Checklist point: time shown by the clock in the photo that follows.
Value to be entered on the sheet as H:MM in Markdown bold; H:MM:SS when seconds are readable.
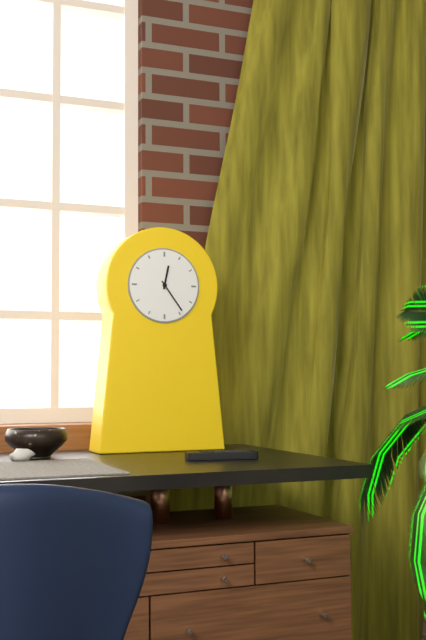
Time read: **12:24**
